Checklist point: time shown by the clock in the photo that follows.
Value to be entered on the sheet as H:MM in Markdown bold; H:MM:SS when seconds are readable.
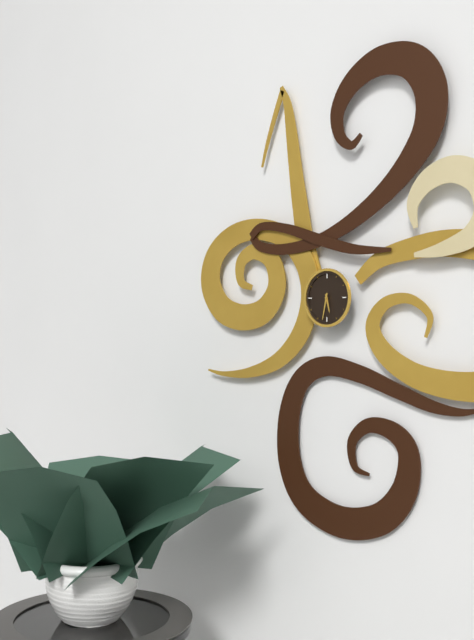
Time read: **5:32**
